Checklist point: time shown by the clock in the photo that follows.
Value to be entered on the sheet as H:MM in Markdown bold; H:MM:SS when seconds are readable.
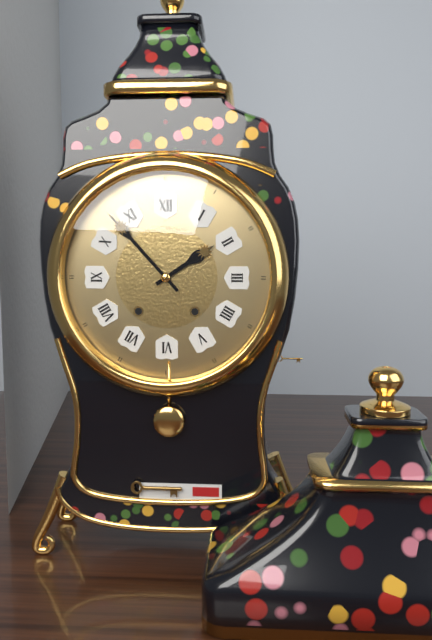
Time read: **1:53**
